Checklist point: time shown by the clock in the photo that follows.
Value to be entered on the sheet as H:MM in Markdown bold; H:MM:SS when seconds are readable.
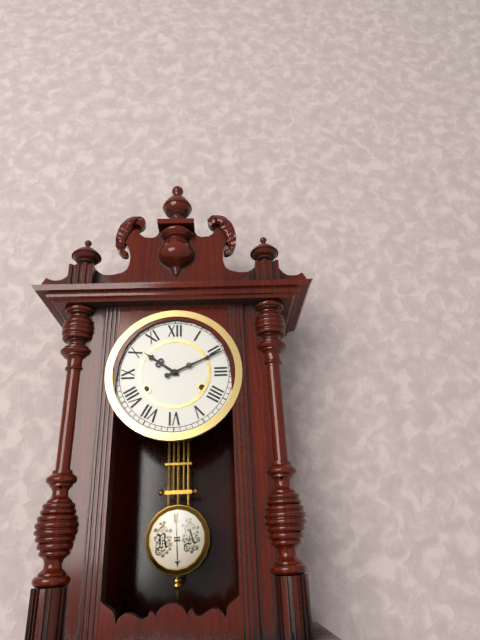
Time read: **10:11**
